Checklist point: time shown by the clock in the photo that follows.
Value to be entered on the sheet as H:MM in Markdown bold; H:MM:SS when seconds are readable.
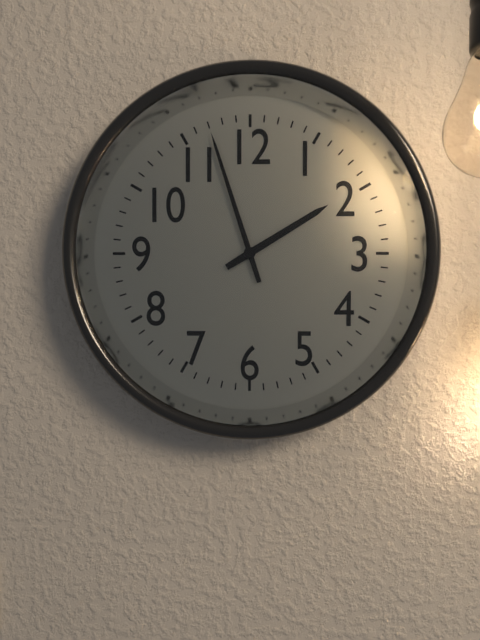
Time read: **1:57**
